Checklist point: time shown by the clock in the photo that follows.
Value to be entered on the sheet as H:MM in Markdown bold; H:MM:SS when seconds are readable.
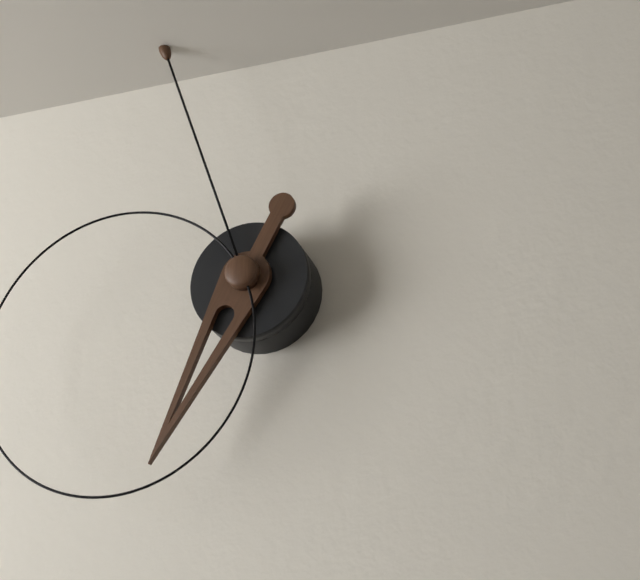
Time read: **6:57**
